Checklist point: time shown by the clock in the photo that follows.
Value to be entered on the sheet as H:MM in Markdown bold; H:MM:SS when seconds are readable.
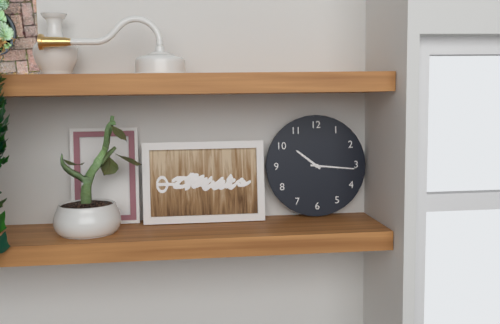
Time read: **10:16**
